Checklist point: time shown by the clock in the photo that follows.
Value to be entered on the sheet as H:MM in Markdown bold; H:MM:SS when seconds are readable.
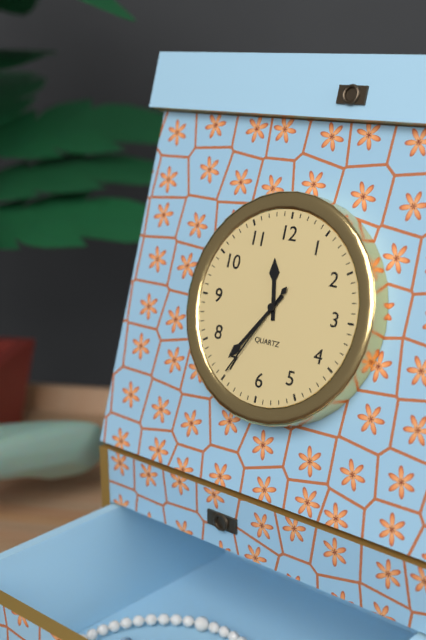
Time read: **11:36:35**
